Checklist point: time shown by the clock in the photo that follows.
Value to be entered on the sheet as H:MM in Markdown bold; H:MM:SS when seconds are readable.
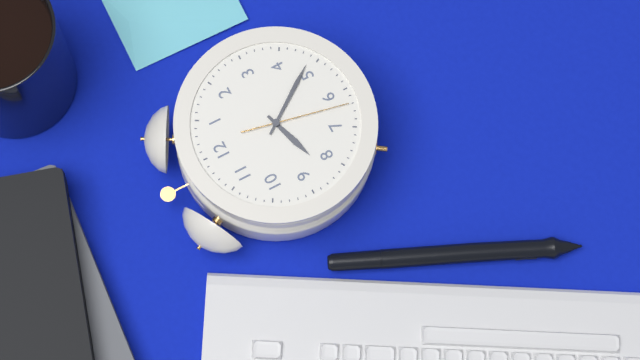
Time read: **8:24:32**
